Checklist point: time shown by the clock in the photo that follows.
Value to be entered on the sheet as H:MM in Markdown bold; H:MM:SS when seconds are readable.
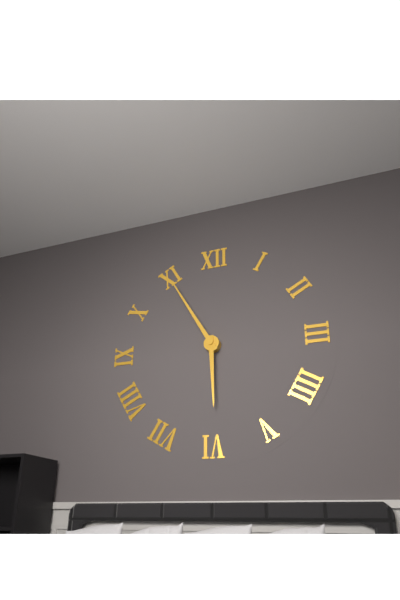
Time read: **5:55**
